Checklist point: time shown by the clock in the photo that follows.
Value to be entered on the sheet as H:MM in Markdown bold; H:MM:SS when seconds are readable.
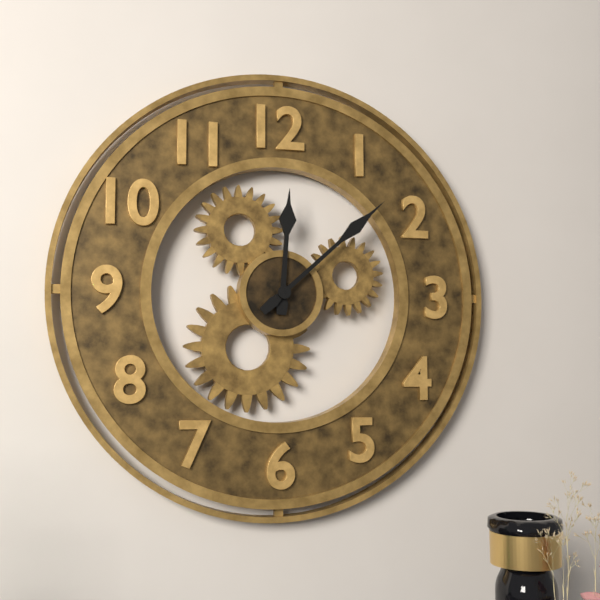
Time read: **12:08**
